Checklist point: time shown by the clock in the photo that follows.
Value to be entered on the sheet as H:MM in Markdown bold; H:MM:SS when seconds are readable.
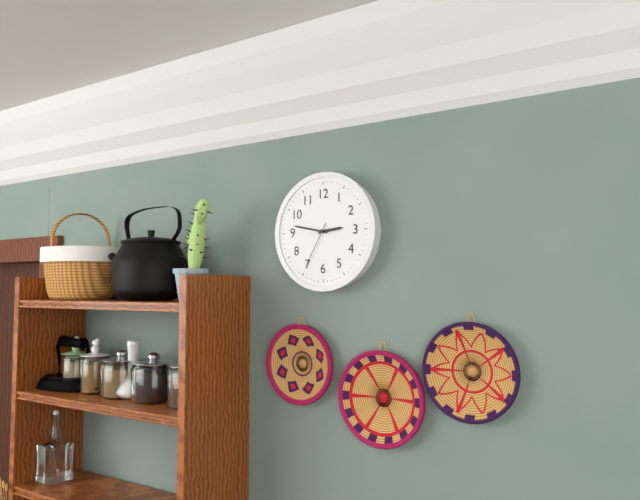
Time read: **2:47:35**
